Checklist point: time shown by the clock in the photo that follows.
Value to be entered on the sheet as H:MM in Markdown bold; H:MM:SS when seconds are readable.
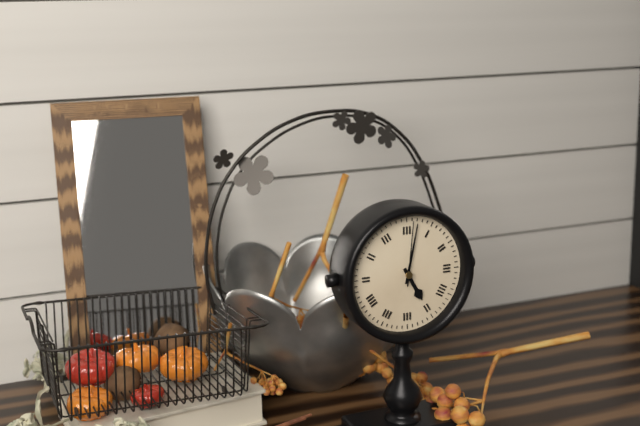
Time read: **5:02:01**
